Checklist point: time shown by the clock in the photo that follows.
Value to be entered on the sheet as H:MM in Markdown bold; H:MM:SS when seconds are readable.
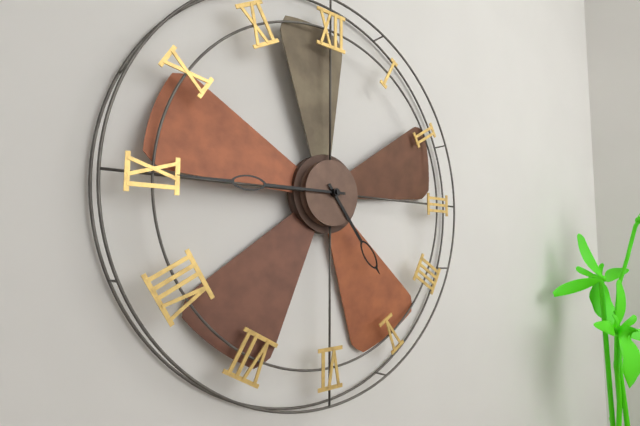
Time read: **4:45**
